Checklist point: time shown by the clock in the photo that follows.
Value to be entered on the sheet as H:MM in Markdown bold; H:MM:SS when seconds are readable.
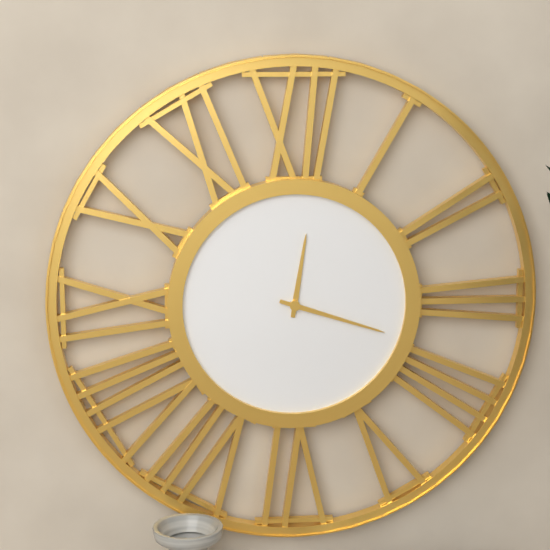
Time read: **12:18**
